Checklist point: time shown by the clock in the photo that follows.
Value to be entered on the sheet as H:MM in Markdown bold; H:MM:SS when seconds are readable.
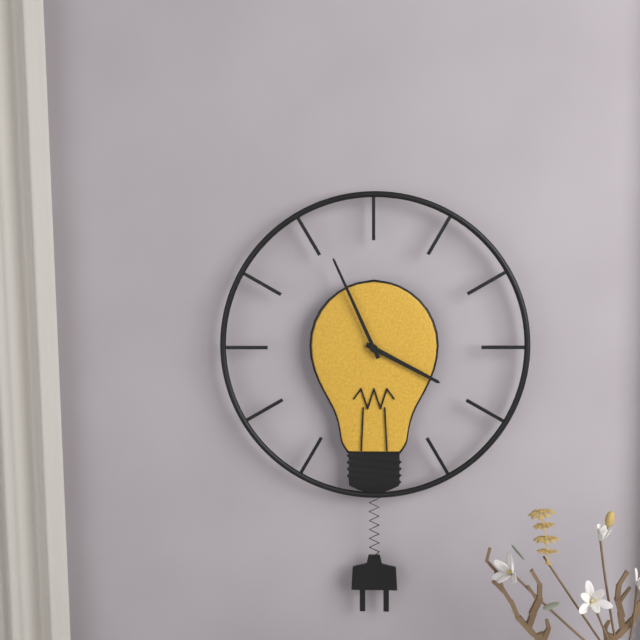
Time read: **3:56**
